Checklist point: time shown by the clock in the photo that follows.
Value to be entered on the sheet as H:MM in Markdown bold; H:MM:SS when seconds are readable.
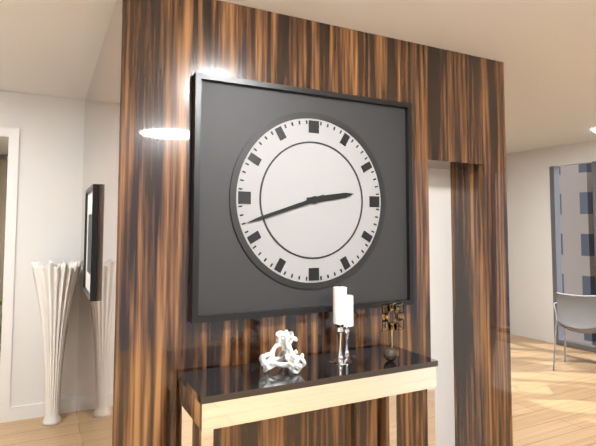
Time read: **2:42**
